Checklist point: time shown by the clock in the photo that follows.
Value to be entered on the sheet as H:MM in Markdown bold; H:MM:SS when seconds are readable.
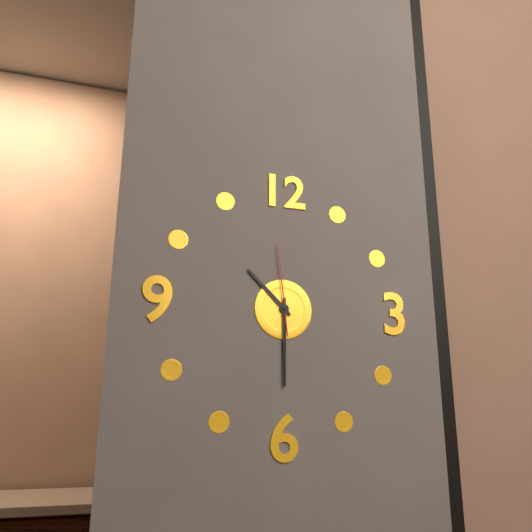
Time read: **10:30:59**
